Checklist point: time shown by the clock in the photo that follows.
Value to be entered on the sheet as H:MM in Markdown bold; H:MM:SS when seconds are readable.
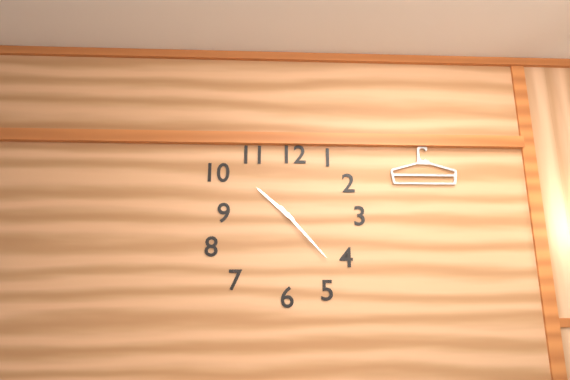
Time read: **10:23**
